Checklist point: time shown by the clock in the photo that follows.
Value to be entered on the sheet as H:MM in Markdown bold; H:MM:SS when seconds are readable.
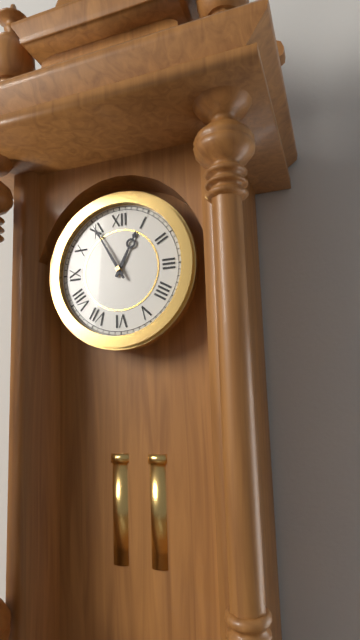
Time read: **12:55**
